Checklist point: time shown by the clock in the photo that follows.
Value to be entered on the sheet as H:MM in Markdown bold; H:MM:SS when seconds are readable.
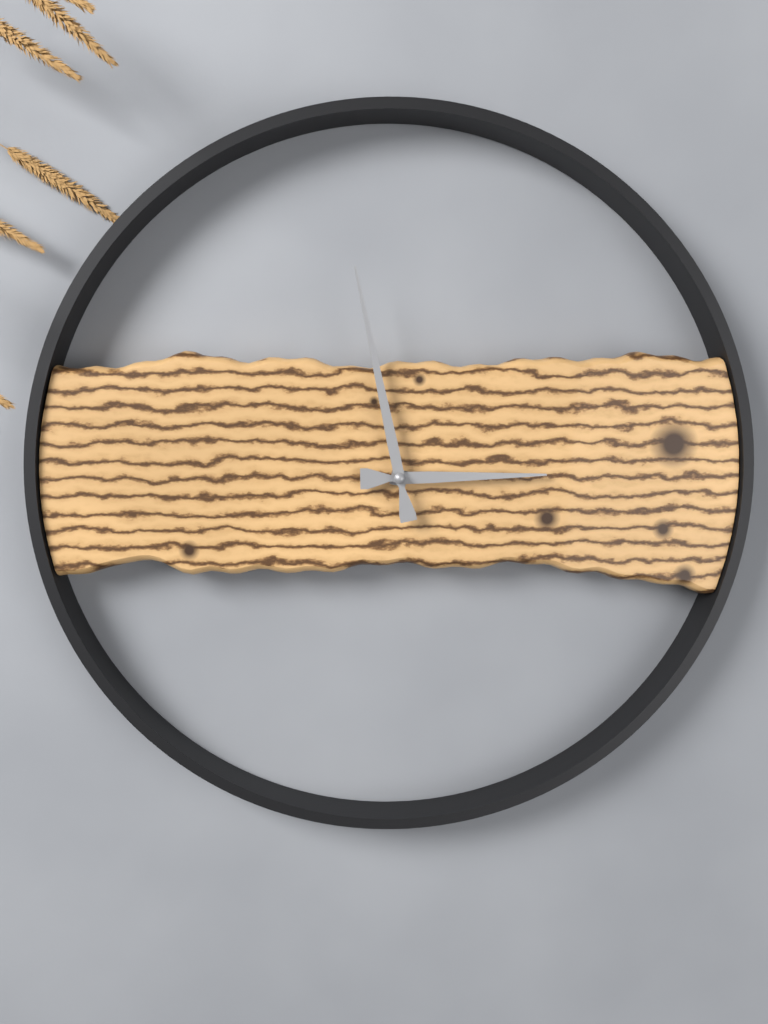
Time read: **2:58**
